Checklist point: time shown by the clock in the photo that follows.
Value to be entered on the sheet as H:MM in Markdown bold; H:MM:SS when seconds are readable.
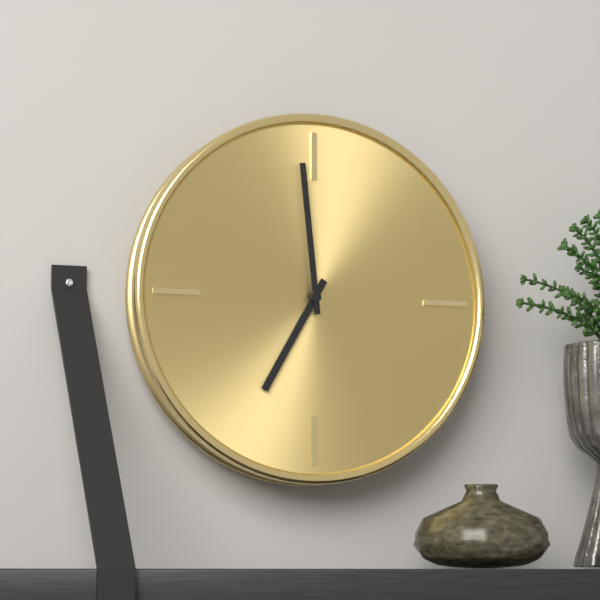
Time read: **6:59**
